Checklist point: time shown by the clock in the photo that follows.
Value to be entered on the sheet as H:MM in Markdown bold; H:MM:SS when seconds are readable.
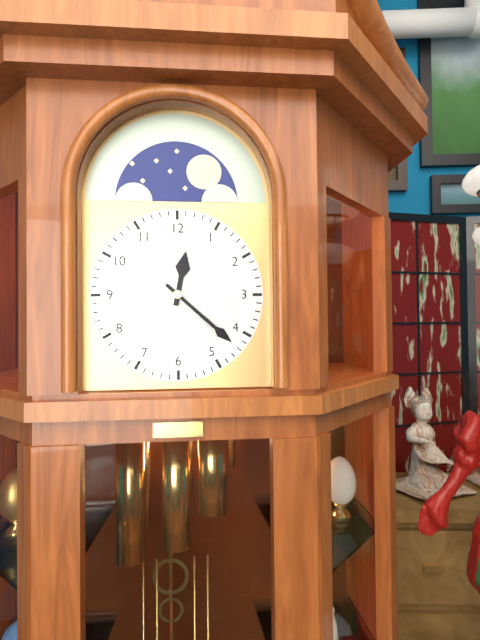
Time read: **12:22**
